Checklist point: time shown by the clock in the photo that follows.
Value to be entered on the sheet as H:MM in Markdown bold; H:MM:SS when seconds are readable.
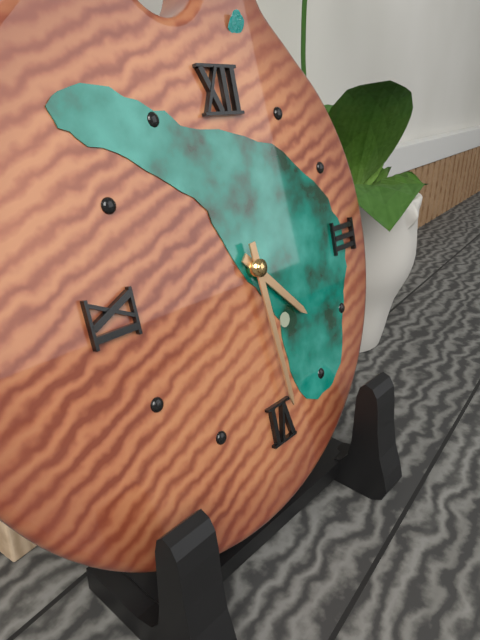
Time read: **4:29**
